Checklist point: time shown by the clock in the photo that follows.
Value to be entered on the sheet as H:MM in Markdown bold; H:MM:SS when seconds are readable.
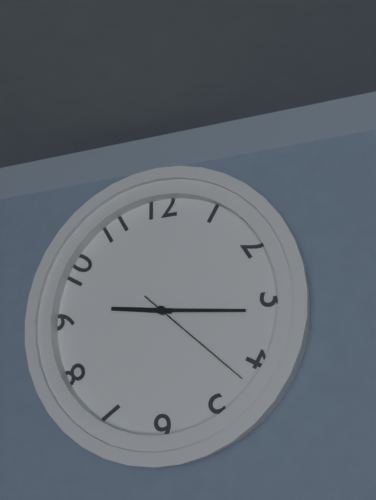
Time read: **9:16:22**
